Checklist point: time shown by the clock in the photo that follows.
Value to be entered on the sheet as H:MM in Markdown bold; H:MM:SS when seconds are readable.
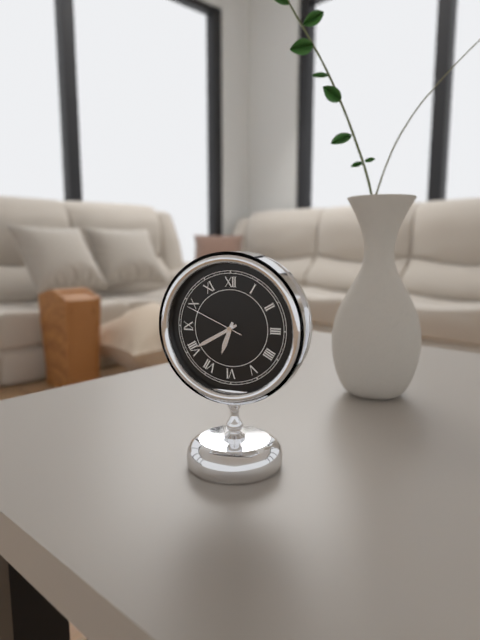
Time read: **6:40:49**
